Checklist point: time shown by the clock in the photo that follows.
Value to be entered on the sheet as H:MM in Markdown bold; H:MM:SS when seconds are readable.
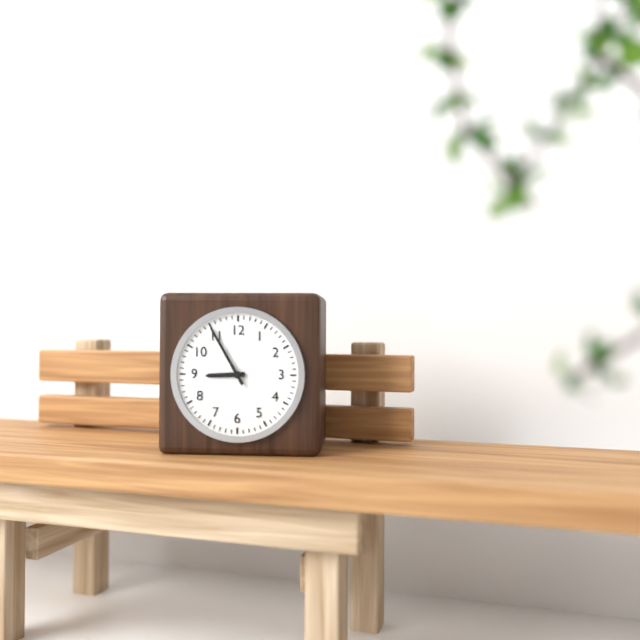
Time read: **8:55**
